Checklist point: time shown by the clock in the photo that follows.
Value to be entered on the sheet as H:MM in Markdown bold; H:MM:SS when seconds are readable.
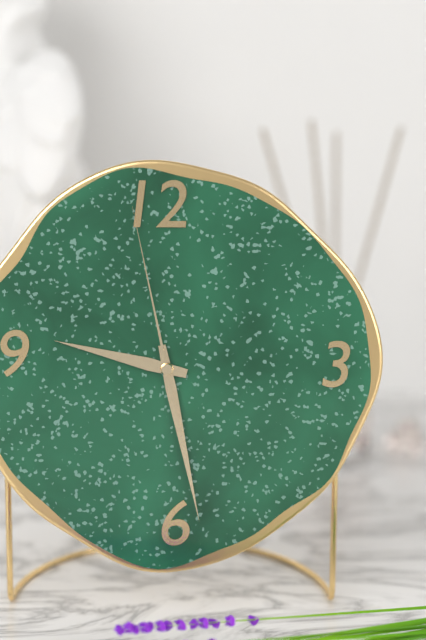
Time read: **9:28:58**
